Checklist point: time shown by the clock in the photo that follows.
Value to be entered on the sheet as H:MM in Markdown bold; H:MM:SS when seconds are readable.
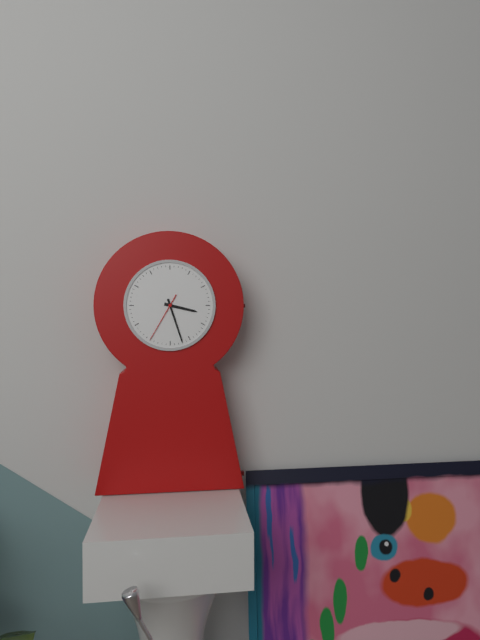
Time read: **3:27:35**
